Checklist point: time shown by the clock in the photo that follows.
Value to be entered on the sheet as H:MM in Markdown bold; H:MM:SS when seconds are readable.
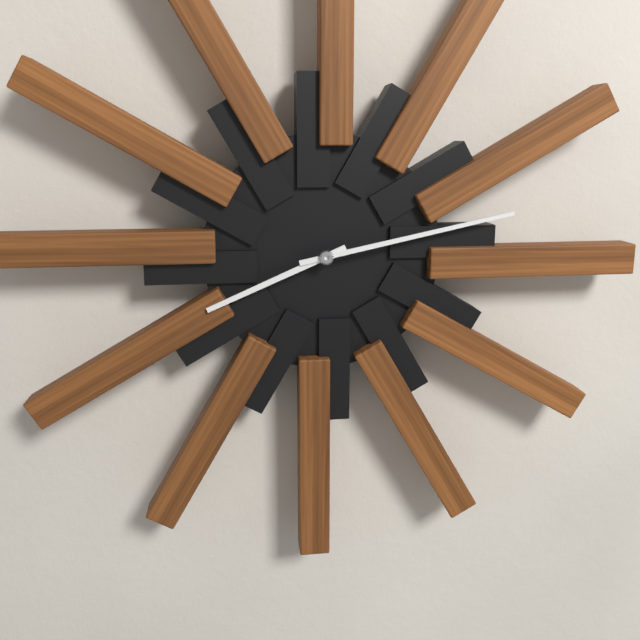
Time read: **8:13**
